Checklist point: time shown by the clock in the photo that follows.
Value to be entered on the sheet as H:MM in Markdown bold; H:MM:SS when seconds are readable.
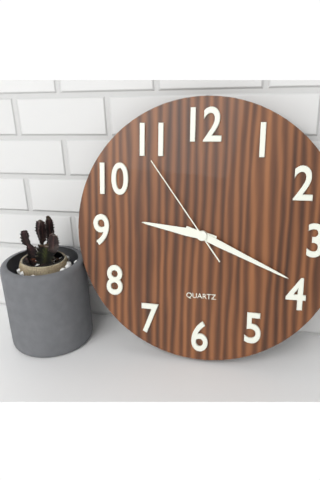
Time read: **9:19:54**
